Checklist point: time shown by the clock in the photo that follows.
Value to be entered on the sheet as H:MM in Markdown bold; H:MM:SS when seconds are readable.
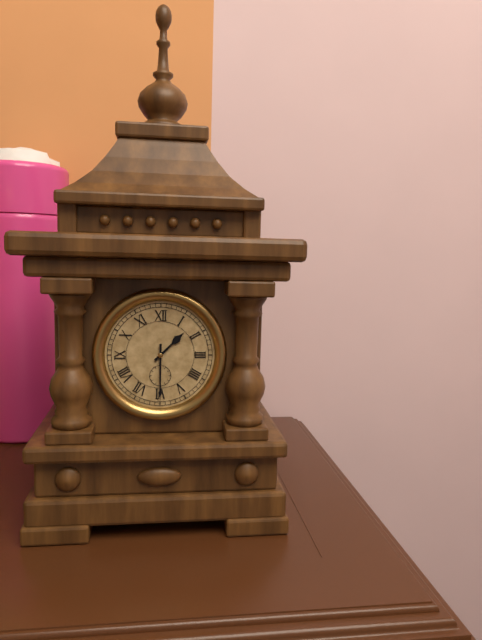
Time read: **1:30**
